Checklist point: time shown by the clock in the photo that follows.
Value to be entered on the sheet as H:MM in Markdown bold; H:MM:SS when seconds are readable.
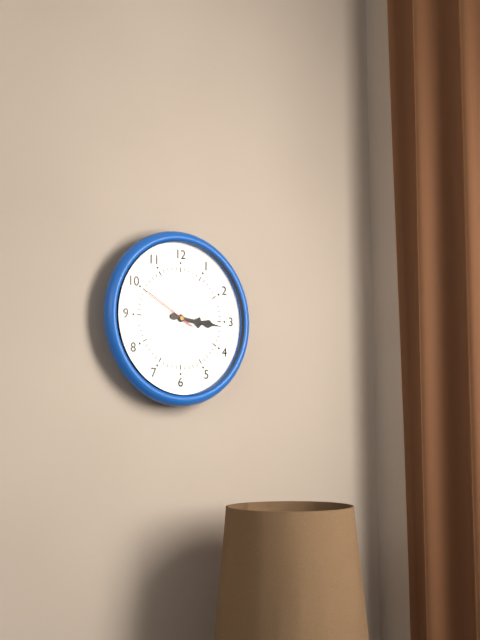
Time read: **3:16:50**
